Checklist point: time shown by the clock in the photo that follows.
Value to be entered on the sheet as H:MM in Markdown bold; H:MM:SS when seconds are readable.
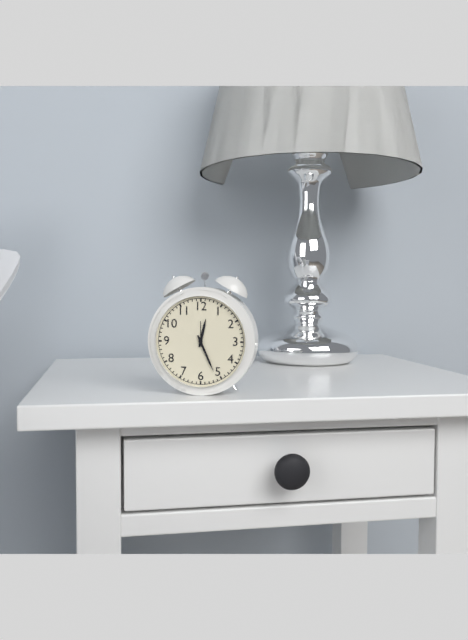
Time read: **12:26**
